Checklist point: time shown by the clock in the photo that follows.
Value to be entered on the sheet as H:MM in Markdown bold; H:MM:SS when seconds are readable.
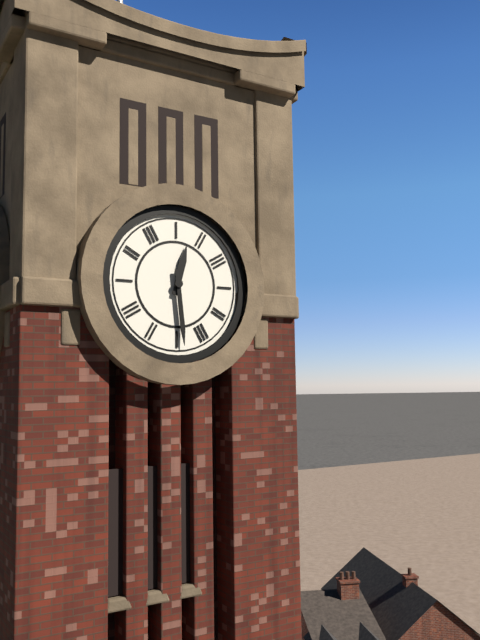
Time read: **12:29**
